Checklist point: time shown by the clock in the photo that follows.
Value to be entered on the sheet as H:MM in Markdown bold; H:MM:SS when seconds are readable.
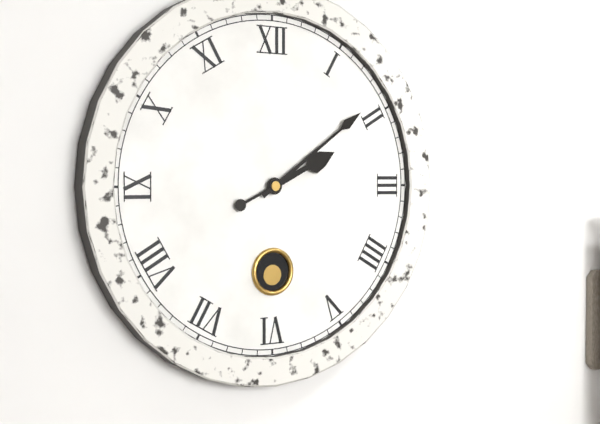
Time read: **2:09**
